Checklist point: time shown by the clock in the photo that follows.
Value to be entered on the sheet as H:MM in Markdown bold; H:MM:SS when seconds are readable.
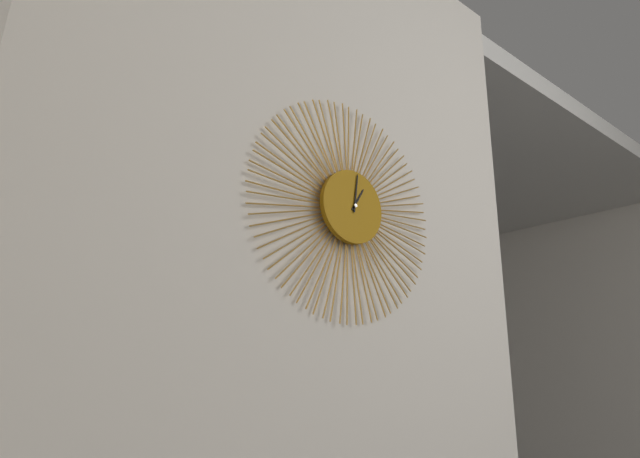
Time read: **1:01**
